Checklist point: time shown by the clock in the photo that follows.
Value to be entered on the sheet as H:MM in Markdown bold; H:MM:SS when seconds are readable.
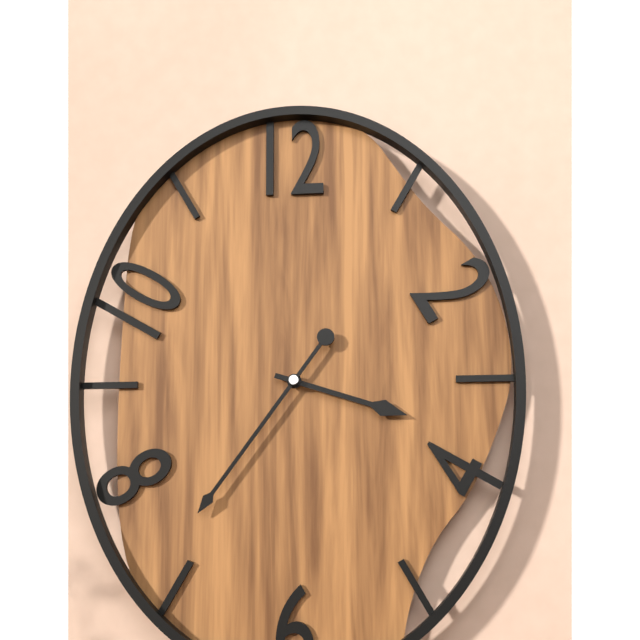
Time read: **3:36**
